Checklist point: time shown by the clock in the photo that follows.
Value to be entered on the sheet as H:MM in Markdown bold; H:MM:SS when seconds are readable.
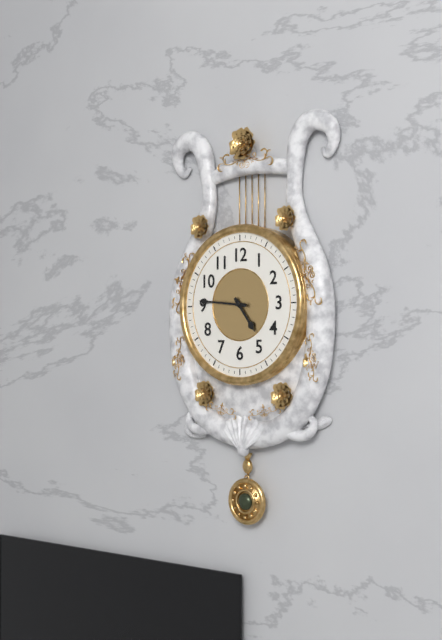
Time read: **4:46**
